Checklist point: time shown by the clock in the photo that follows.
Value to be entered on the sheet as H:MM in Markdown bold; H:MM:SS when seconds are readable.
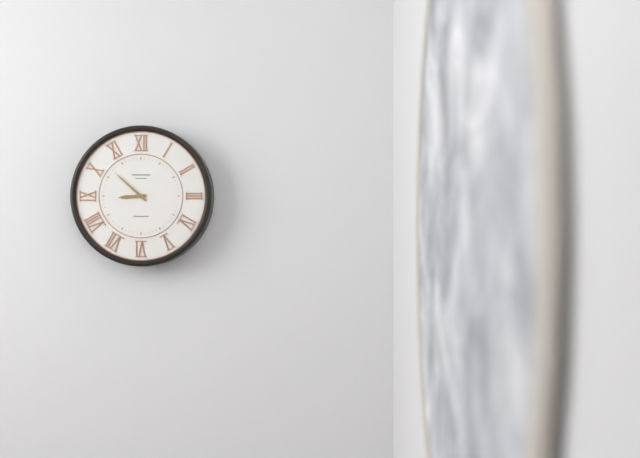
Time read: **8:52**
